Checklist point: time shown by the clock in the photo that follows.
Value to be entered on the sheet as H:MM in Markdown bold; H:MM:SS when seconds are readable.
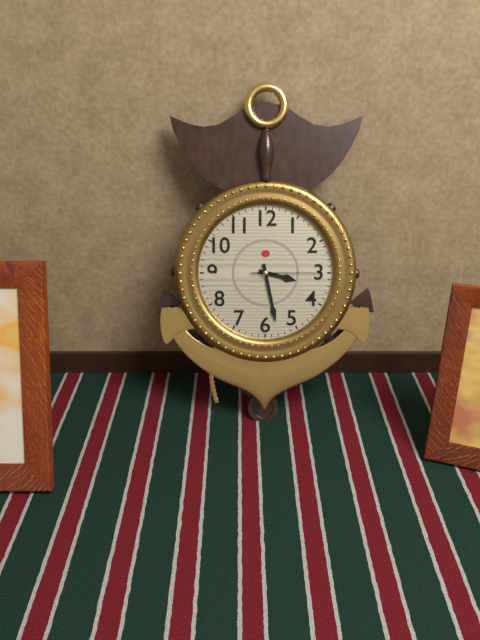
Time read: **3:28:15**
